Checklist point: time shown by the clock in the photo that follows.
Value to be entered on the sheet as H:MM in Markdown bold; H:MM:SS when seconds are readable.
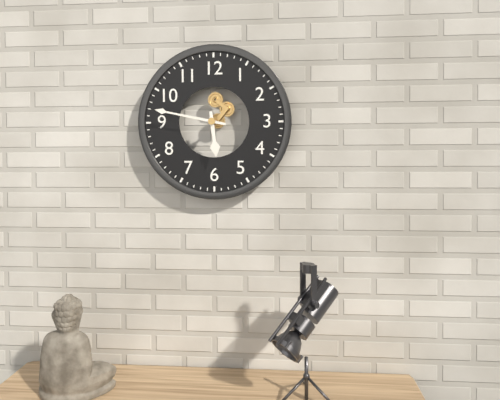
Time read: **5:47**
